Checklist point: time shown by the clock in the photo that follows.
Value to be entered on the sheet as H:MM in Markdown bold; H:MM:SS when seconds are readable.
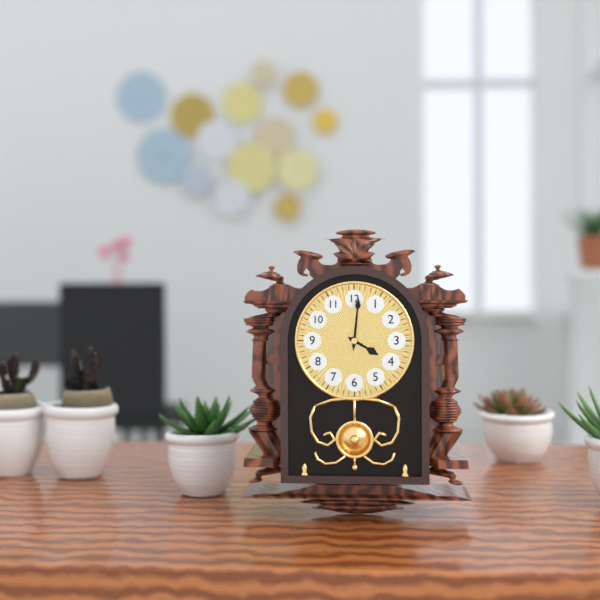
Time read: **4:01**
